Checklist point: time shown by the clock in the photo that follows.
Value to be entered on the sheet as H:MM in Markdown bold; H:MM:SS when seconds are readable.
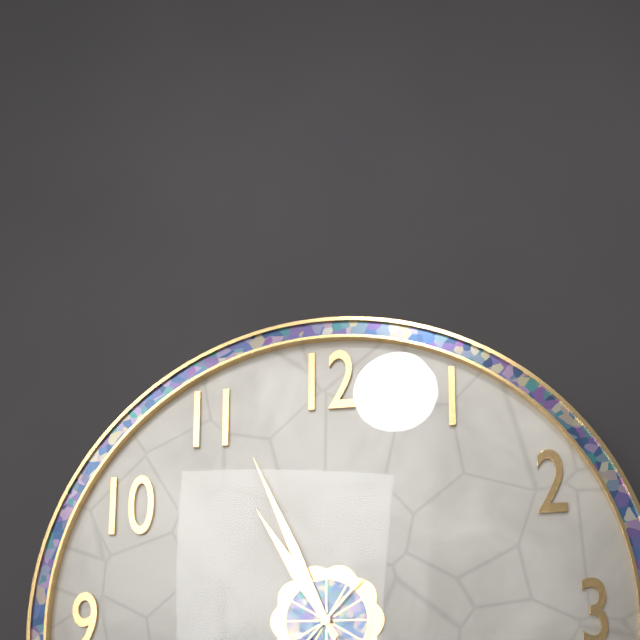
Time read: **10:56**
